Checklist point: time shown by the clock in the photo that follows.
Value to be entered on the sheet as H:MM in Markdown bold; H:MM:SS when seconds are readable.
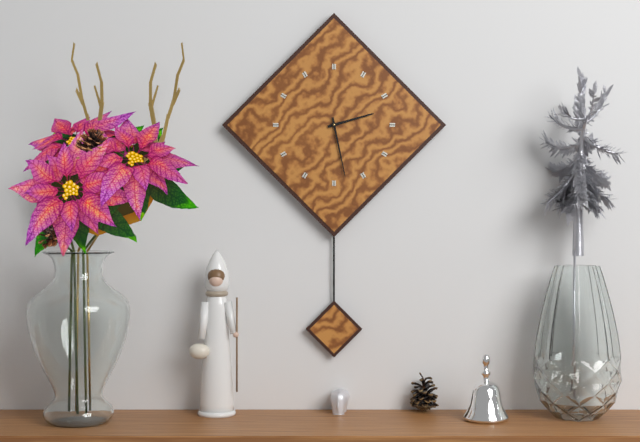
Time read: **2:28**
